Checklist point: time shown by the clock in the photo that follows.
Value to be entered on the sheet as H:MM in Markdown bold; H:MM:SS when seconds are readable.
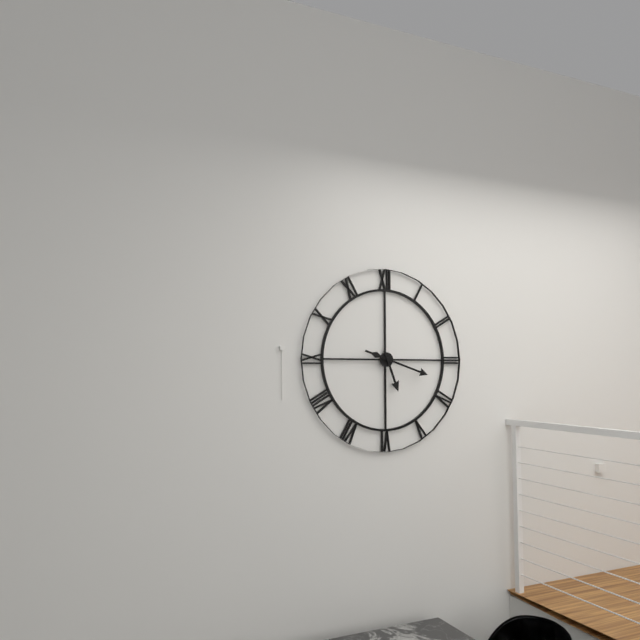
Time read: **5:18**
